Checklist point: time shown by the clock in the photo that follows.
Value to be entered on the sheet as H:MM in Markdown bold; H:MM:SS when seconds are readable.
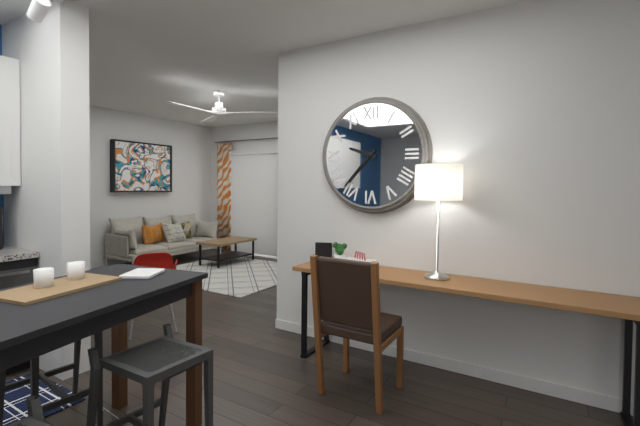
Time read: **9:37**
